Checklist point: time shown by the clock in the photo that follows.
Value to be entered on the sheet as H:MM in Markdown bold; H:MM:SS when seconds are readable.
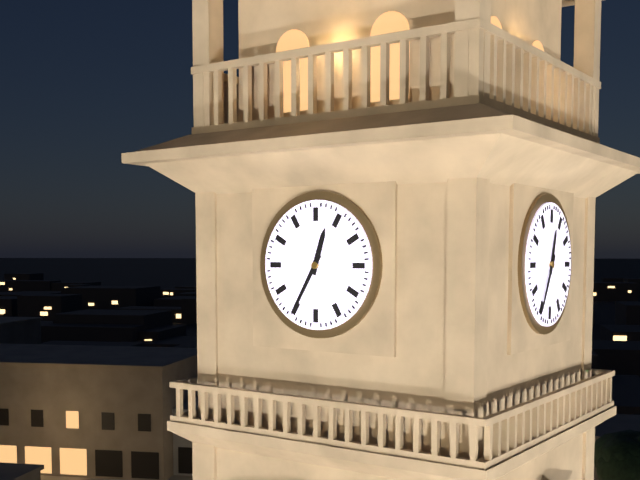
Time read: **12:35**
